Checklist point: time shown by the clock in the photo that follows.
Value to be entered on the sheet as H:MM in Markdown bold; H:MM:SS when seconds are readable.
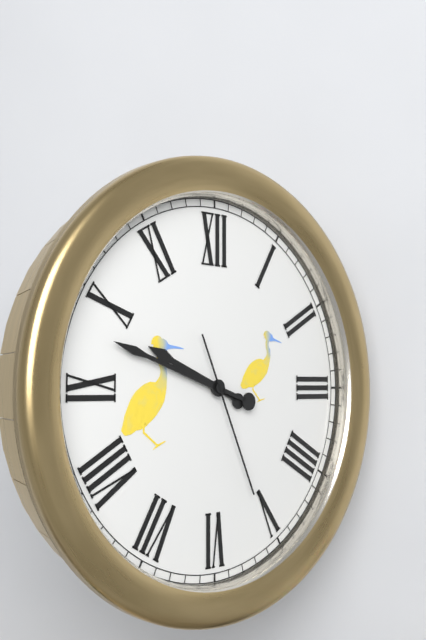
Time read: **9:48:26**
